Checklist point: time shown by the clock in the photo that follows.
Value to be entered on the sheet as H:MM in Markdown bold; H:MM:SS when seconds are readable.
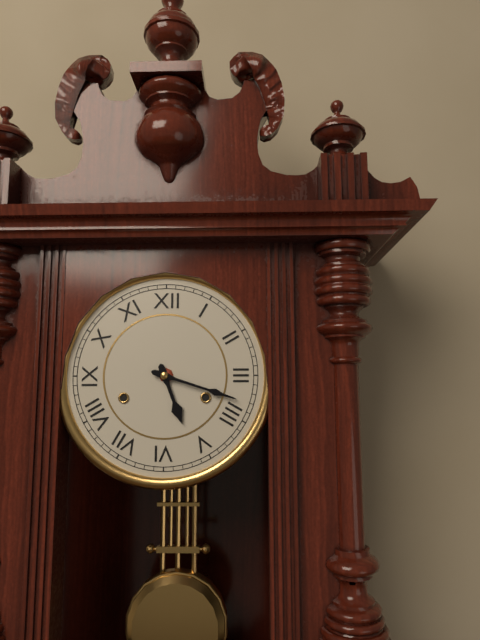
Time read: **5:18**
